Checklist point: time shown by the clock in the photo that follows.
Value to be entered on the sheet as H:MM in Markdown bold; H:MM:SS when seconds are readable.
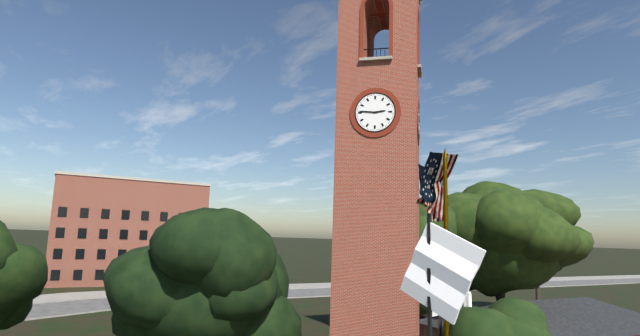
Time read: **2:46**
